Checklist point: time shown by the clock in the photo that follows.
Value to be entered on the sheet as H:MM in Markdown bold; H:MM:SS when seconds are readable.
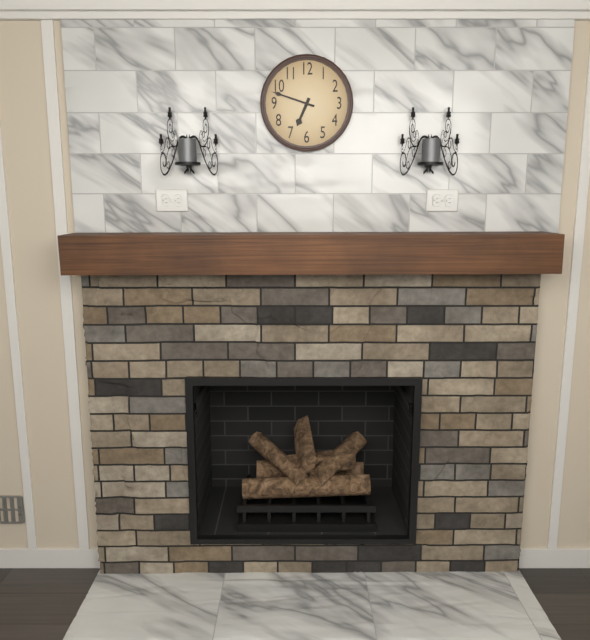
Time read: **6:48**
